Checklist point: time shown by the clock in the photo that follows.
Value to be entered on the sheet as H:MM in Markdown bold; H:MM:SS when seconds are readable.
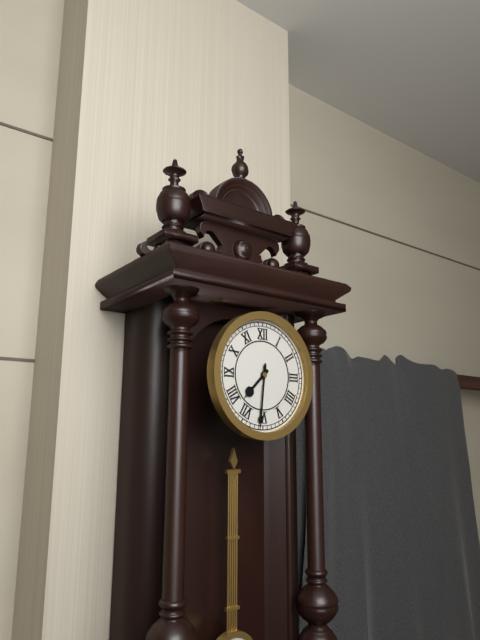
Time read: **7:31**
